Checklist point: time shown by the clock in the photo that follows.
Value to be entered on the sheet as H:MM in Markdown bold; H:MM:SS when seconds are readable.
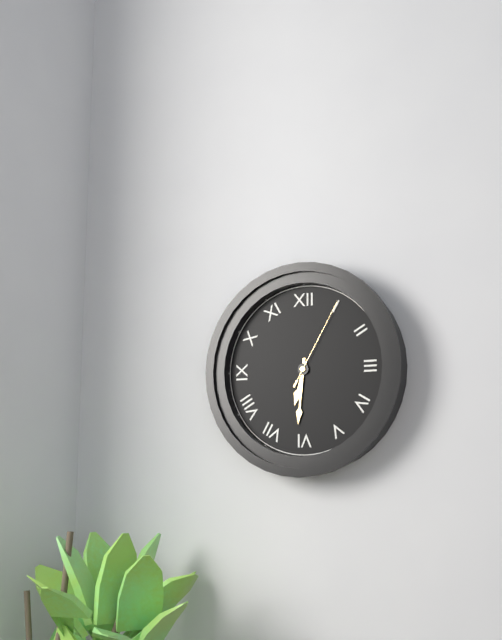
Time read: **6:31:05**
